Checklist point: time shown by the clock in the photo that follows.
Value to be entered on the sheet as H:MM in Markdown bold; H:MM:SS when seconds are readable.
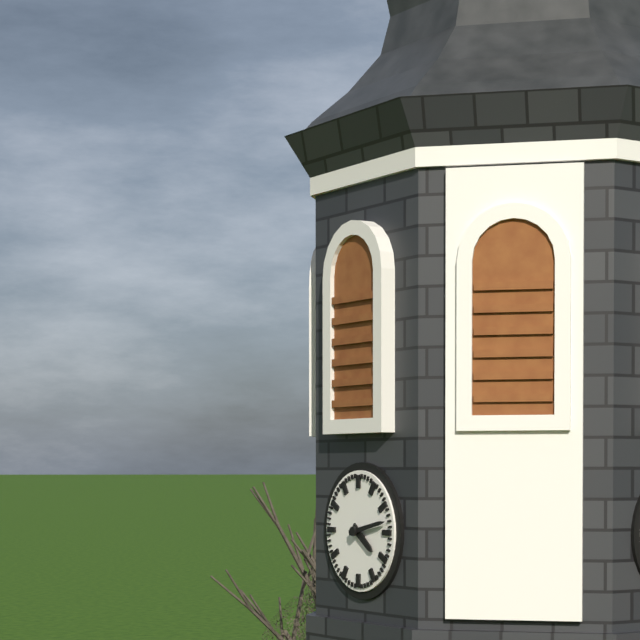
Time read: **4:13**
